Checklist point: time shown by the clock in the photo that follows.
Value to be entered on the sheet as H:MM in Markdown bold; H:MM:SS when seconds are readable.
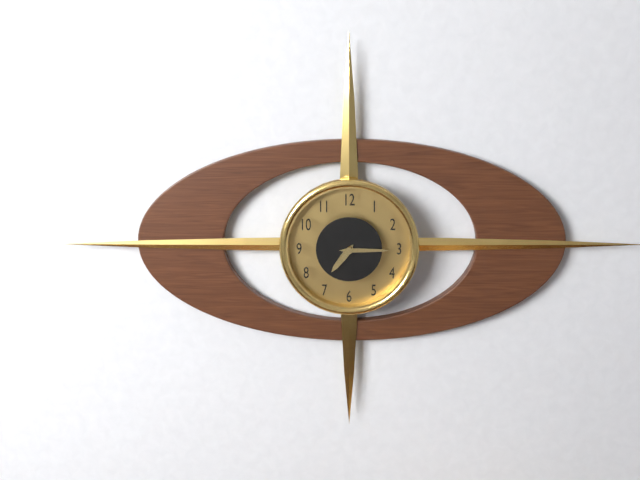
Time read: **7:15**
